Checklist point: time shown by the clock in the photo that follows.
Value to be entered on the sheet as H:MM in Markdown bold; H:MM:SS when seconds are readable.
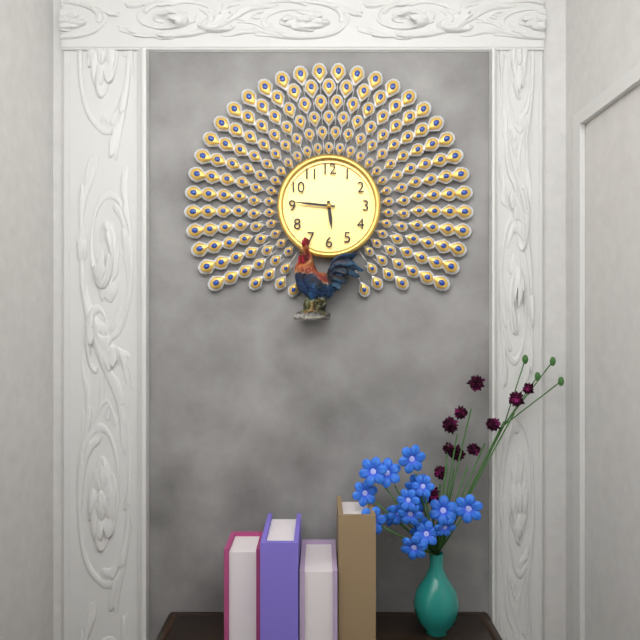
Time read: **5:46**
